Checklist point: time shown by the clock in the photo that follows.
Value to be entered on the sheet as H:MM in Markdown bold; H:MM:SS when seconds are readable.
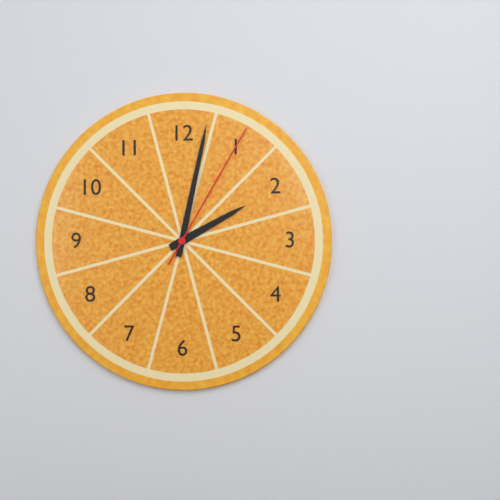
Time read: **2:02:05**
